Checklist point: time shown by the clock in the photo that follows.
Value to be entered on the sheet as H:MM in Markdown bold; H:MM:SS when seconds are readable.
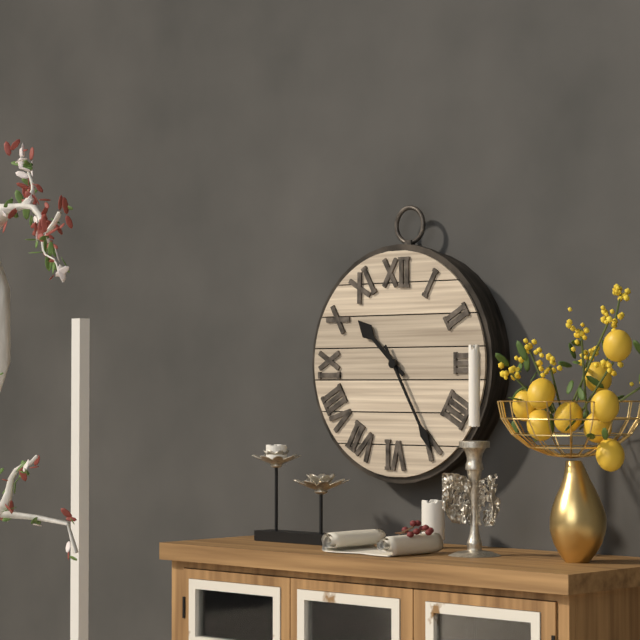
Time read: **10:25**
